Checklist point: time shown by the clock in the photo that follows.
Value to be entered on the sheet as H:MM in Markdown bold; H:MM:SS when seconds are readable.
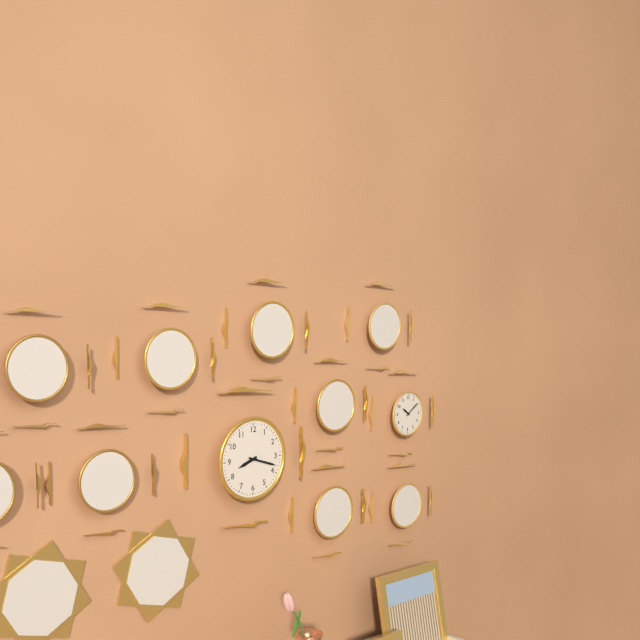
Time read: **8:18**
